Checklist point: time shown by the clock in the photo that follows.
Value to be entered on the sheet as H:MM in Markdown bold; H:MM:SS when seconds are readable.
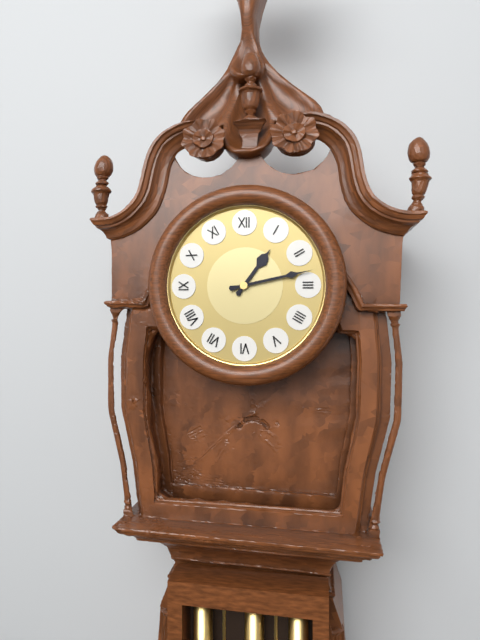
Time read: **1:13**
